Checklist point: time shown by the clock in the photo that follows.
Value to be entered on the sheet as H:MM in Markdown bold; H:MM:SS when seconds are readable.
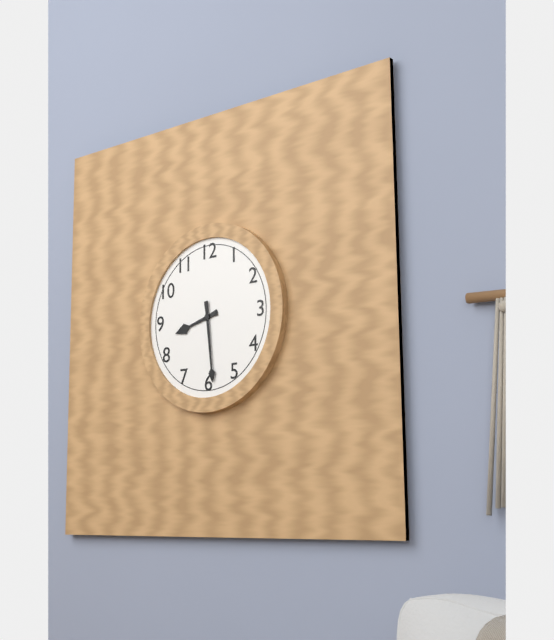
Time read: **8:29**
